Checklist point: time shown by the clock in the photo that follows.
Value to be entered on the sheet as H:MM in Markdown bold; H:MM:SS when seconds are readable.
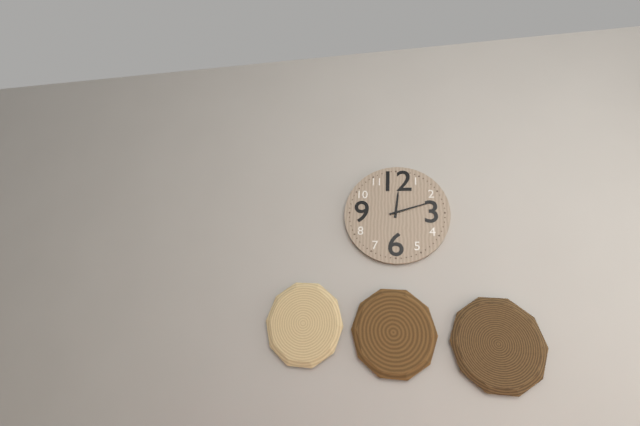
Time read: **12:12**
